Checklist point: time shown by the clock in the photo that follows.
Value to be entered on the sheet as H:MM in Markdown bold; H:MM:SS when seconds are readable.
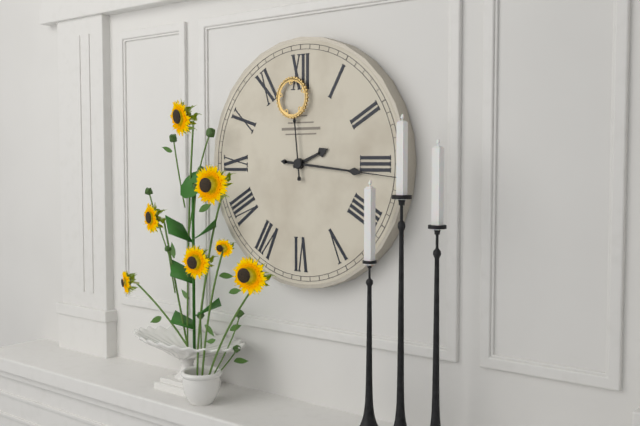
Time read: **2:16:59**
